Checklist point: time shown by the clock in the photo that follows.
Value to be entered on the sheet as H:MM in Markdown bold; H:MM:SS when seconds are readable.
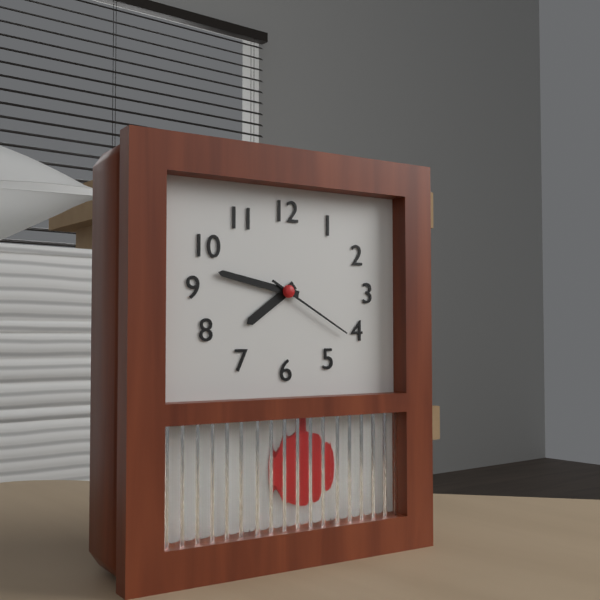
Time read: **7:47:20**
